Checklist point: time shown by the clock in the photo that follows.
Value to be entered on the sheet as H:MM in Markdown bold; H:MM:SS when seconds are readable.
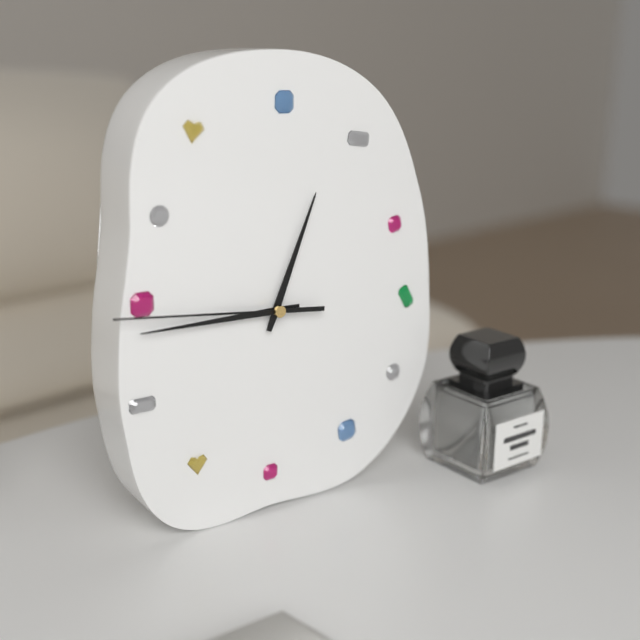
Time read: **12:45:46**
